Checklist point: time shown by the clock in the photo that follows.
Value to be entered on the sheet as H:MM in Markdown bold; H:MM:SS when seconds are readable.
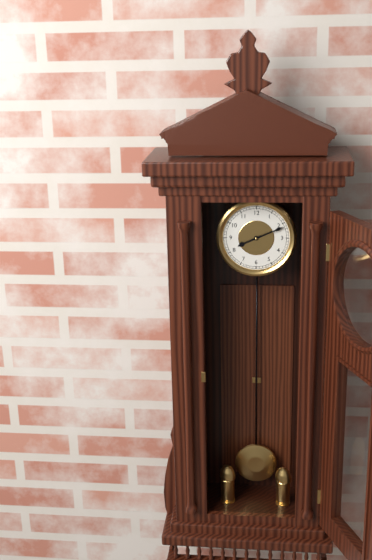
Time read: **8:11**
